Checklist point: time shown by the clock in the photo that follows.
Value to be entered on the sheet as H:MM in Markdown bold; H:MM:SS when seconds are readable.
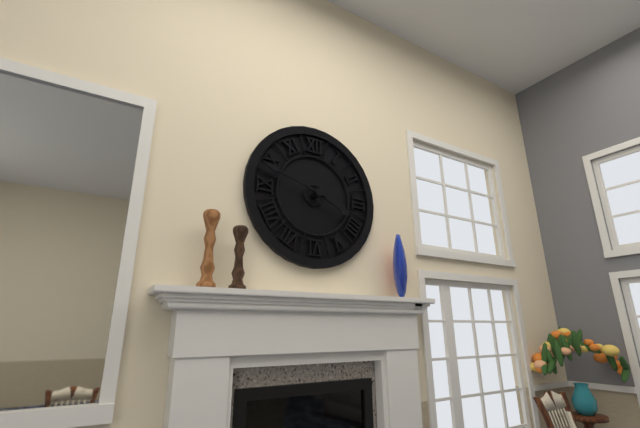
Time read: **3:48**
